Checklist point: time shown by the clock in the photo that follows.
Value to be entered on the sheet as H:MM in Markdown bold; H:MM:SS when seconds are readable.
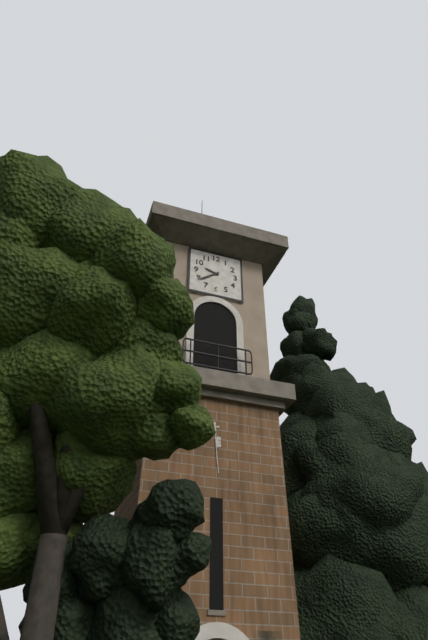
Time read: **9:39**
